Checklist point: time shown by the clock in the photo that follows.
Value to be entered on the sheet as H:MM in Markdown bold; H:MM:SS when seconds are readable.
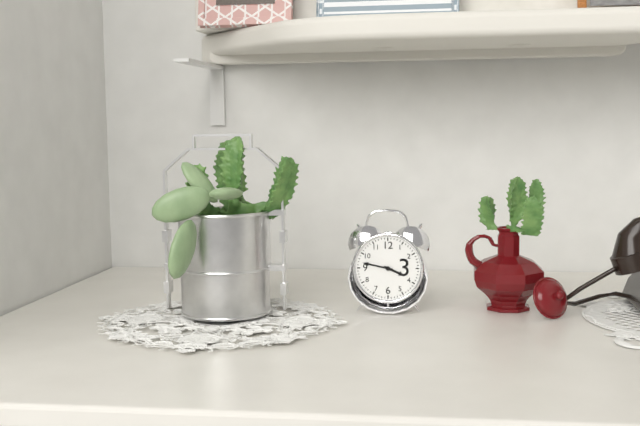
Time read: **3:47**
